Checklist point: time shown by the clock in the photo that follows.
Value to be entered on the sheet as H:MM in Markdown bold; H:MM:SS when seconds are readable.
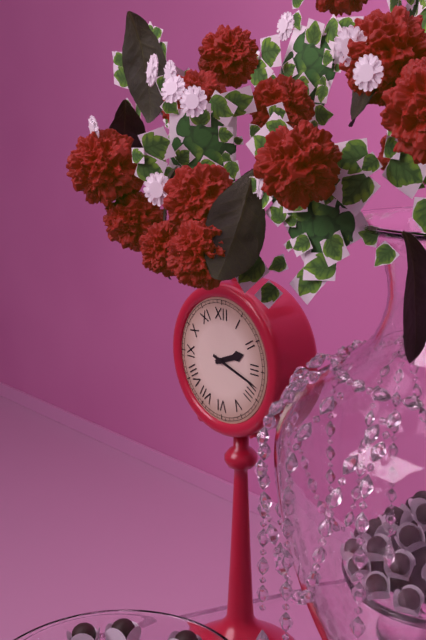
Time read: **2:18**
